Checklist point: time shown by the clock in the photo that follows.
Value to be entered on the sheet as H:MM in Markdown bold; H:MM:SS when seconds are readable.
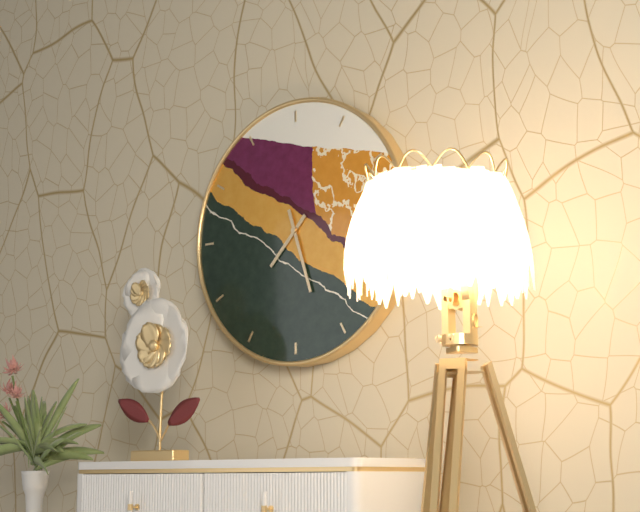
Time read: **7:27**
